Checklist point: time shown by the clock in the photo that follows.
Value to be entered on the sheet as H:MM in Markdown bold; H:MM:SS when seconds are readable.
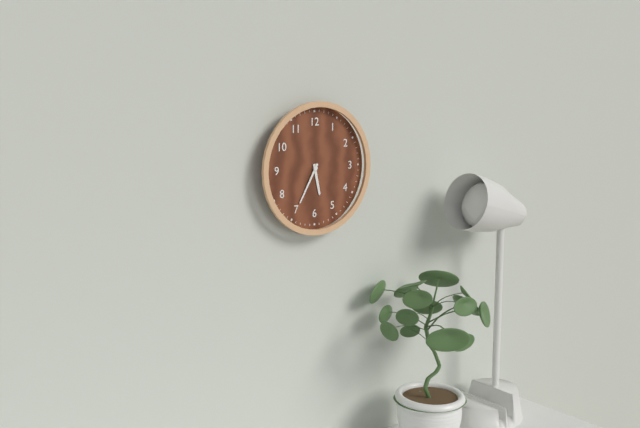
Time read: **5:35**
